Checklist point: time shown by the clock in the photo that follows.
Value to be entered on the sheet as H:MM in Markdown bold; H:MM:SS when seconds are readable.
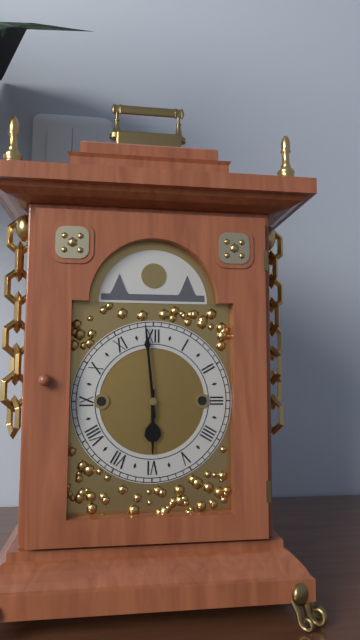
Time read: **5:59**
